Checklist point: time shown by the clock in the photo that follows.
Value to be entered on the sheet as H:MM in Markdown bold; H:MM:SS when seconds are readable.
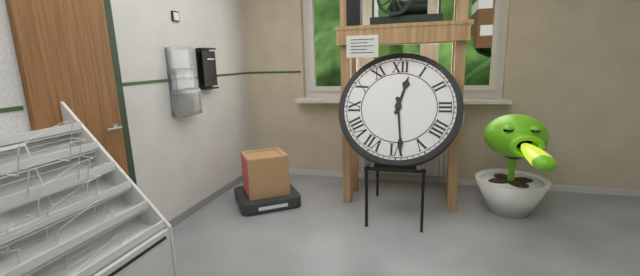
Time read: **12:29**
